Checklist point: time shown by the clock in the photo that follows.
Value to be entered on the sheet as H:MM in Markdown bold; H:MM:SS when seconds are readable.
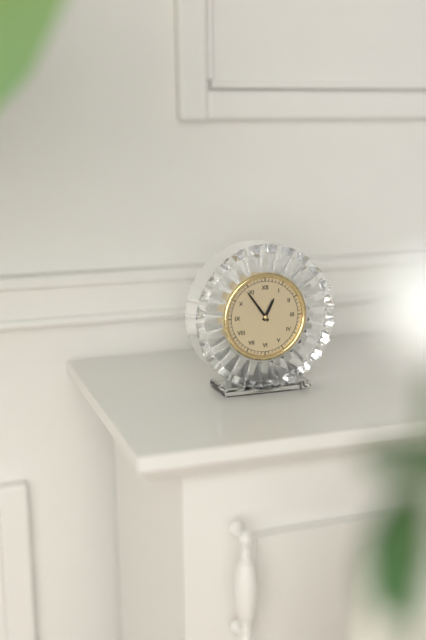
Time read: **12:54**
